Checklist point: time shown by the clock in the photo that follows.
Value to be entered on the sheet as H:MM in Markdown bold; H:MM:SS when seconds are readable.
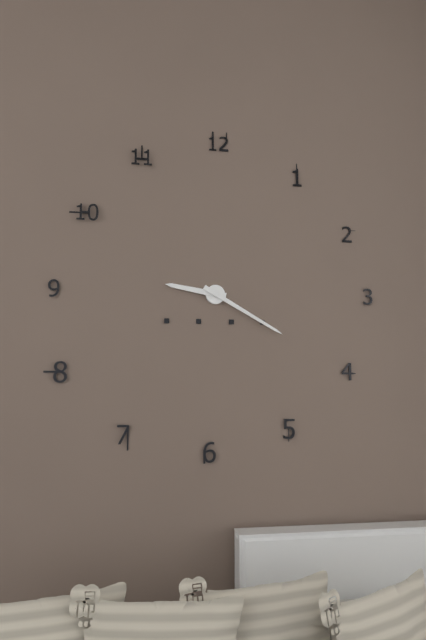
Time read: **9:20**
